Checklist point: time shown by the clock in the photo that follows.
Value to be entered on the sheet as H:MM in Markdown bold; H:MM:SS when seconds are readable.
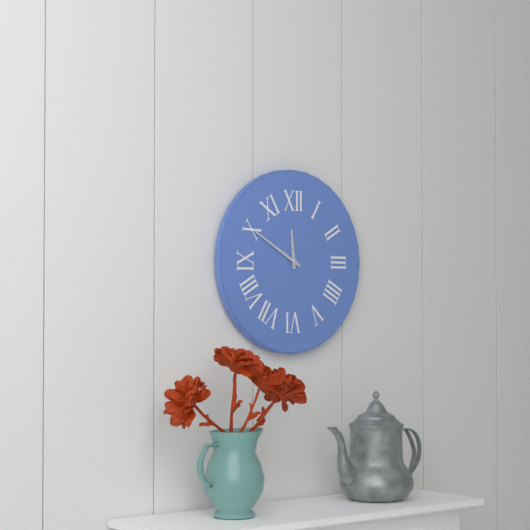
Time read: **11:50**
